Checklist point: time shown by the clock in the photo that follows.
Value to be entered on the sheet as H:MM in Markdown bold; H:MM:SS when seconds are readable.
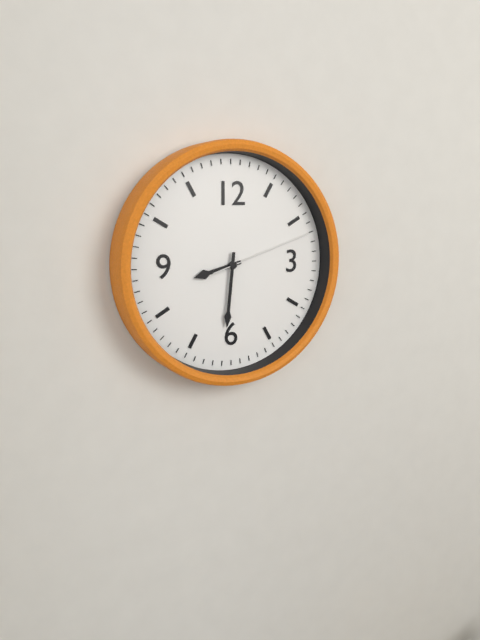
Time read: **8:31:12**
